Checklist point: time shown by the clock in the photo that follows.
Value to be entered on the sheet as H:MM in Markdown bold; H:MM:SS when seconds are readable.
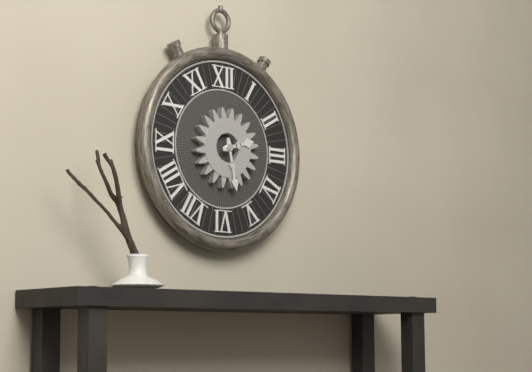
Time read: **2:28**
